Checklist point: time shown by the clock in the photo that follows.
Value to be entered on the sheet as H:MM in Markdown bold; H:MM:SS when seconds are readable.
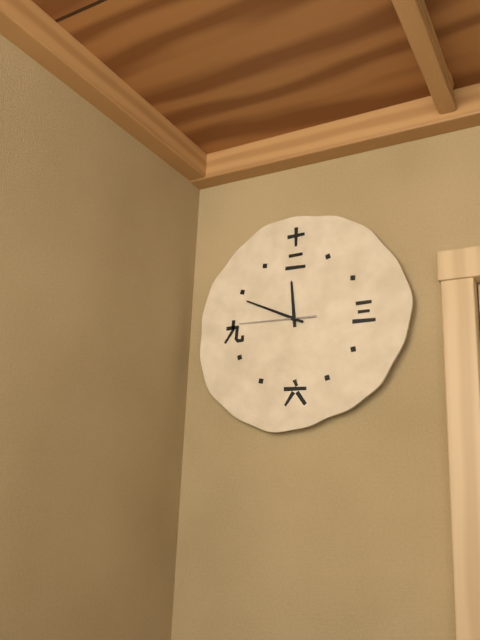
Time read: **11:49:45**
